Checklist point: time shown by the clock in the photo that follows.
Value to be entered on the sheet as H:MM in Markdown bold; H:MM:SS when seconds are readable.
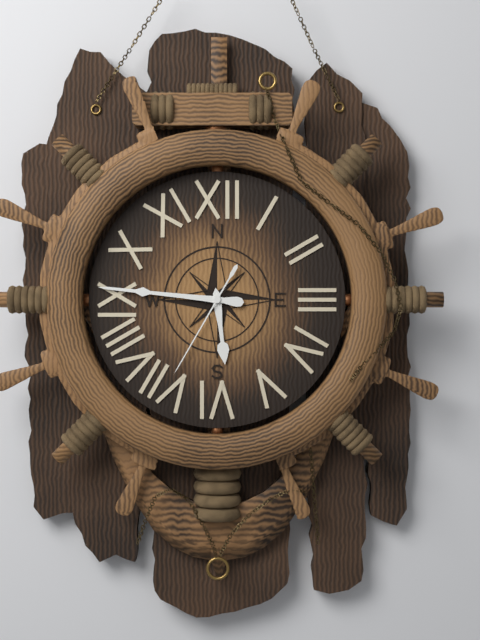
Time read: **5:46:35**
